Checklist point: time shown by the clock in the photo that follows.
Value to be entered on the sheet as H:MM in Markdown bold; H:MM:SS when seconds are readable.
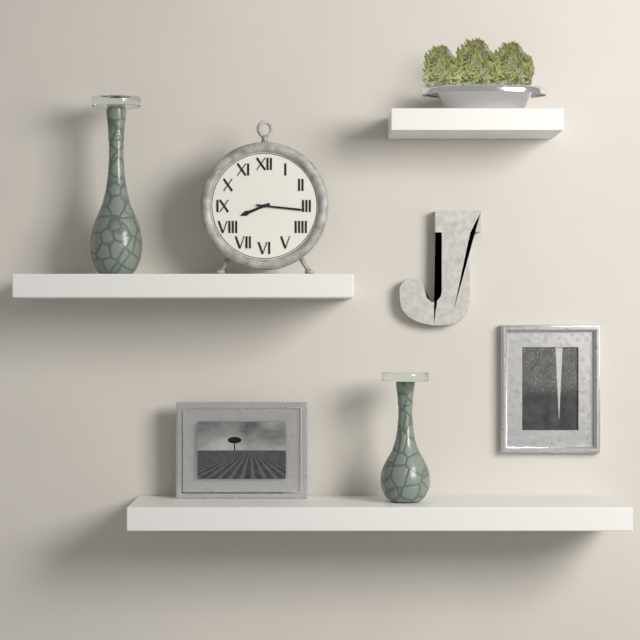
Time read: **8:16**
